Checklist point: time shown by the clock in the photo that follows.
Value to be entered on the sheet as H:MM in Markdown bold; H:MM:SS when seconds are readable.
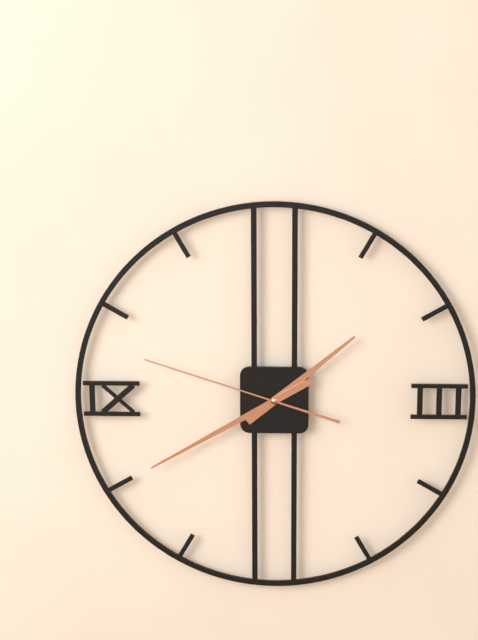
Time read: **1:40:48**
